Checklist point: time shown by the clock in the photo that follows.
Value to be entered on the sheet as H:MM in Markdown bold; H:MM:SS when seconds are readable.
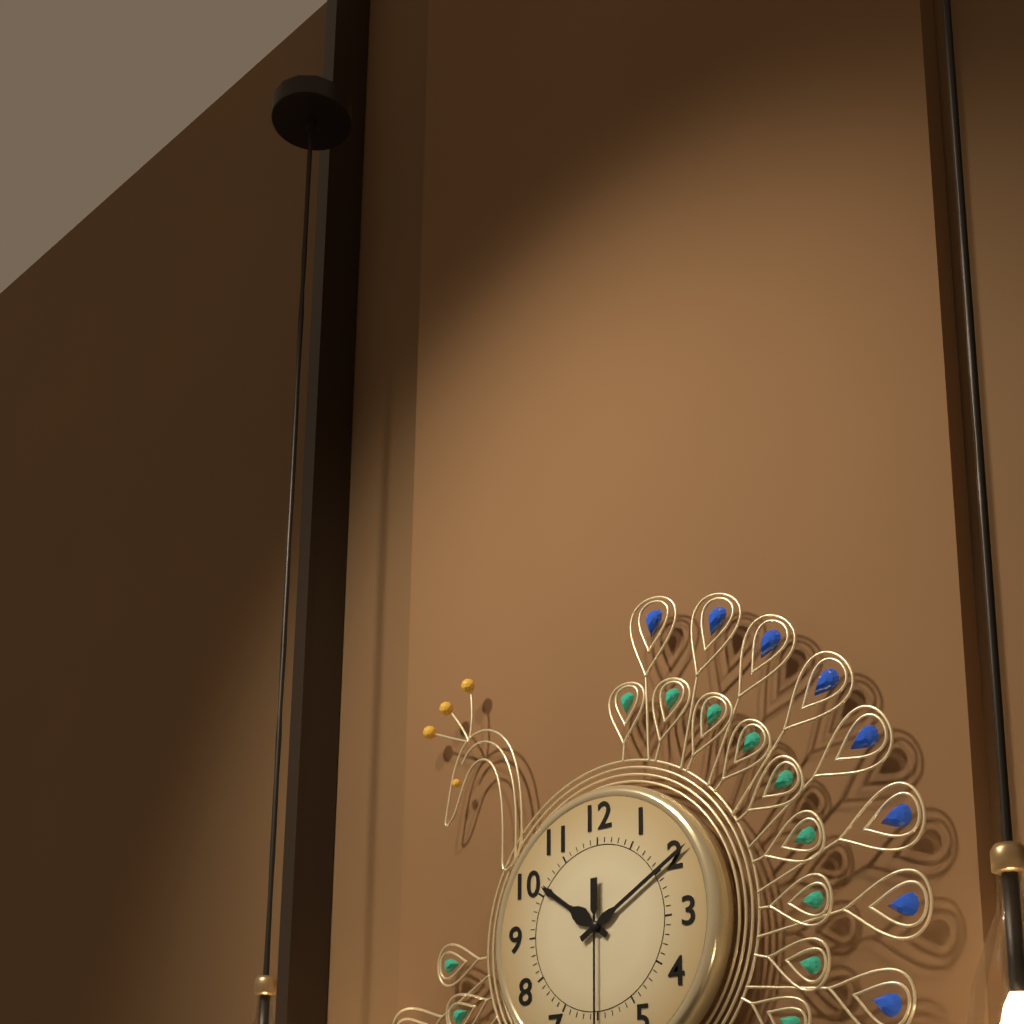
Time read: **10:10**
